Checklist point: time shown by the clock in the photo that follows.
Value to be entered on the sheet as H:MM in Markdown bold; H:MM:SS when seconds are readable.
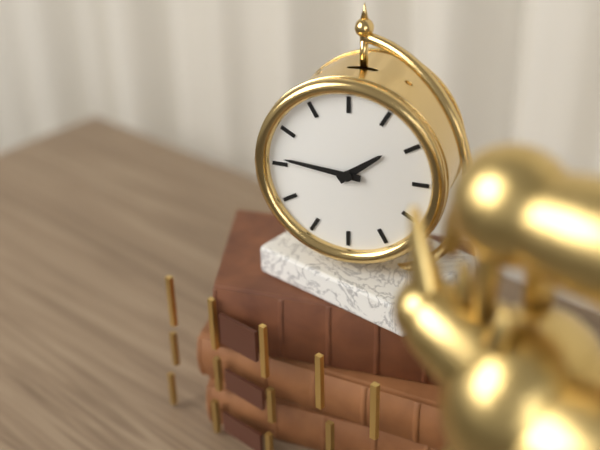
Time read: **1:46**
